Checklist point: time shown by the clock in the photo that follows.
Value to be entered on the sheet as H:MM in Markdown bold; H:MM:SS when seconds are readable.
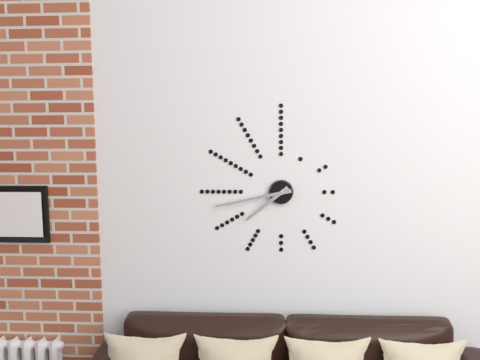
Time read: **7:43**
